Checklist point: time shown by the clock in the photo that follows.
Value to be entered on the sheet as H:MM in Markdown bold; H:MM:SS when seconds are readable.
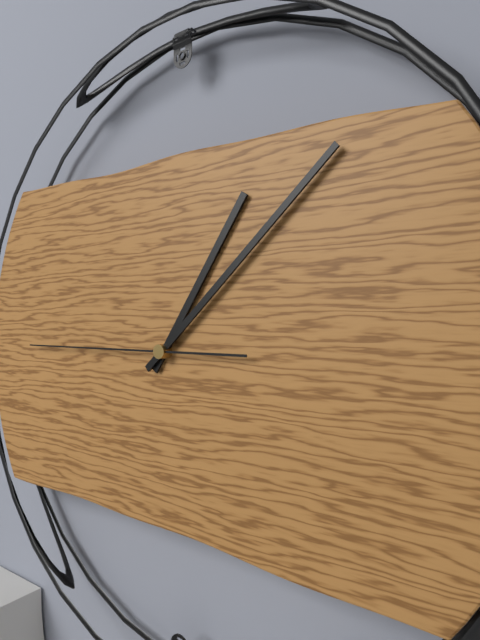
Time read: **1:08:45**
